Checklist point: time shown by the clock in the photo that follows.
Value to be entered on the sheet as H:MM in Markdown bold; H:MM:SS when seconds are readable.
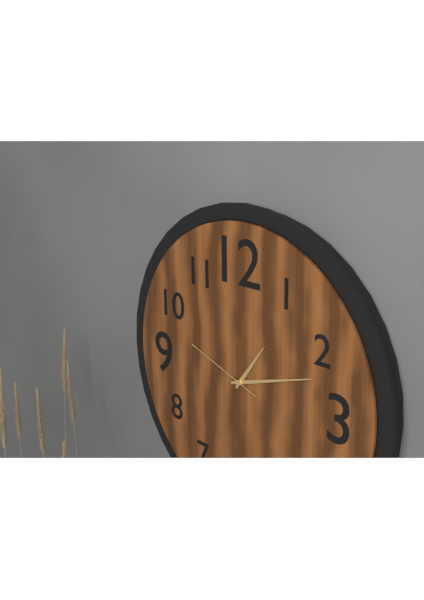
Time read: **1:12:48**
